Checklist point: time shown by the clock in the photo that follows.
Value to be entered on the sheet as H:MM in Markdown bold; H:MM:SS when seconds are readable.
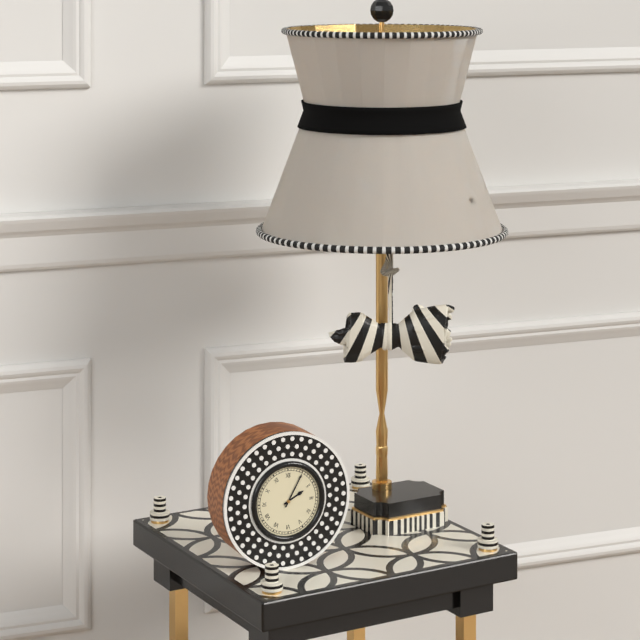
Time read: **2:05**
